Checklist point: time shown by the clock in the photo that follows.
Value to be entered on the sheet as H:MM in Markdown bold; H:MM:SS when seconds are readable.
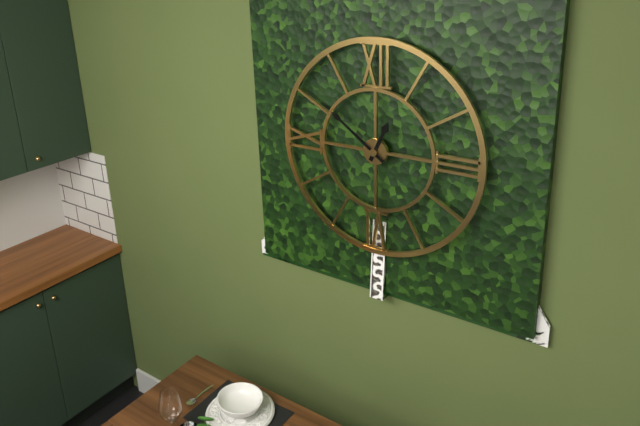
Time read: **12:51**
